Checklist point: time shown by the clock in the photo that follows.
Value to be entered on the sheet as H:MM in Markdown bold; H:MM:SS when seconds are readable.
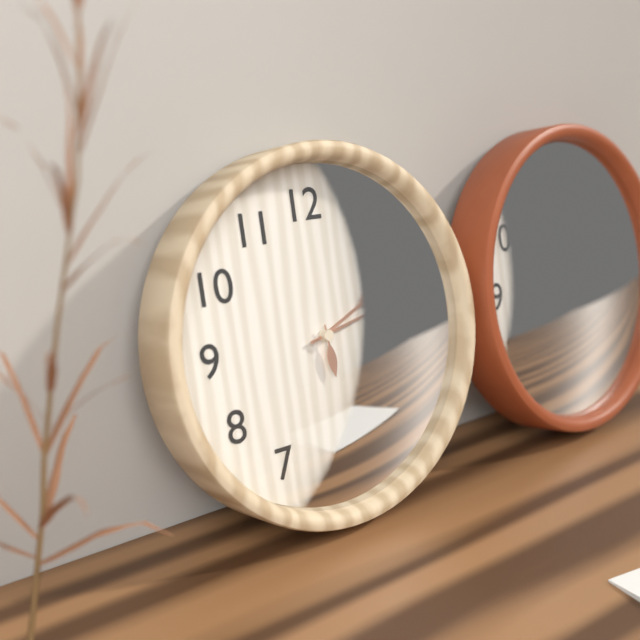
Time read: **2:13:29**
